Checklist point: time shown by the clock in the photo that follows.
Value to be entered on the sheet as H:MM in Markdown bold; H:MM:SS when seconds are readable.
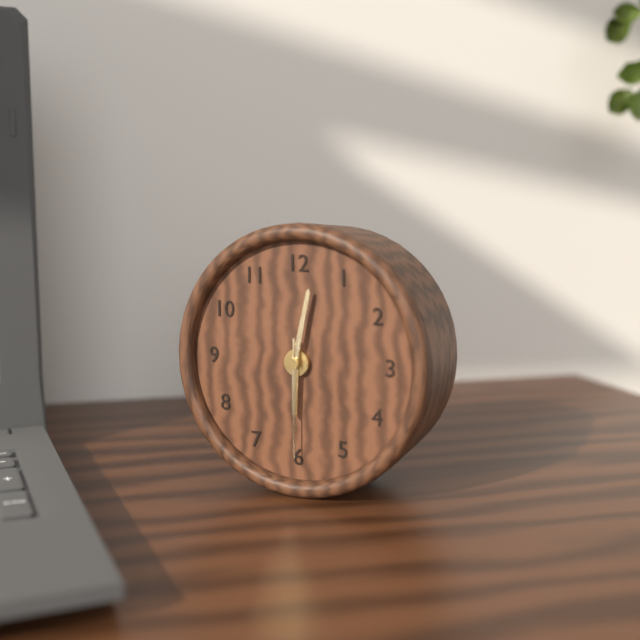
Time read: **6:02:30**
